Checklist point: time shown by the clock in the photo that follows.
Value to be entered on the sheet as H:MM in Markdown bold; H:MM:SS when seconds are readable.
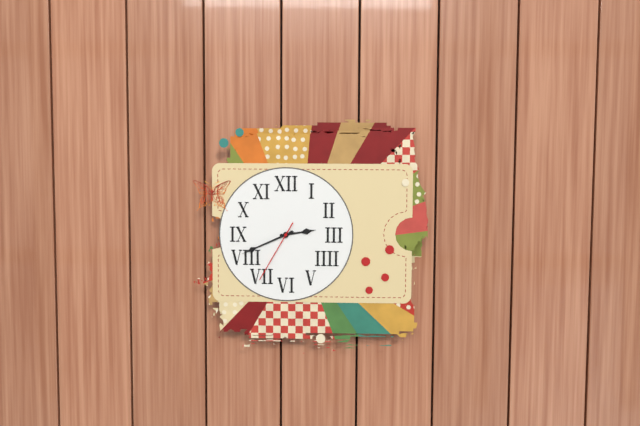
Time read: **2:41:35**
